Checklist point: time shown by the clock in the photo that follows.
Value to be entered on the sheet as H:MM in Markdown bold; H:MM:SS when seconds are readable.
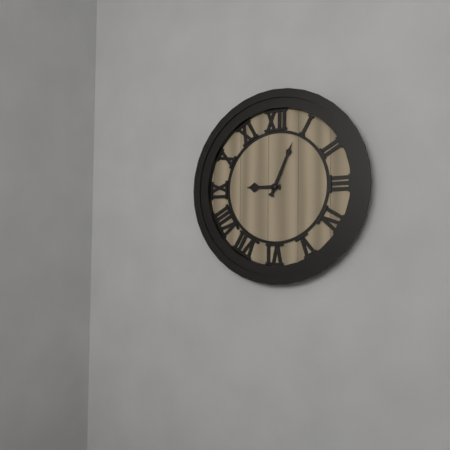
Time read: **9:04**
